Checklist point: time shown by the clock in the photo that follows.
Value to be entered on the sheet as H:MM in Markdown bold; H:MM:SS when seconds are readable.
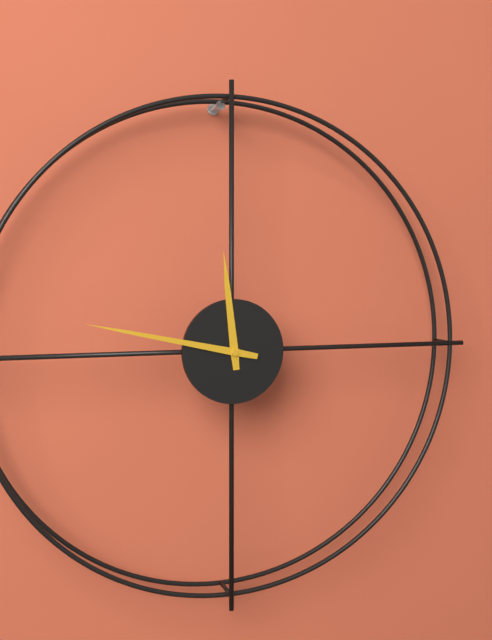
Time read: **11:47**
